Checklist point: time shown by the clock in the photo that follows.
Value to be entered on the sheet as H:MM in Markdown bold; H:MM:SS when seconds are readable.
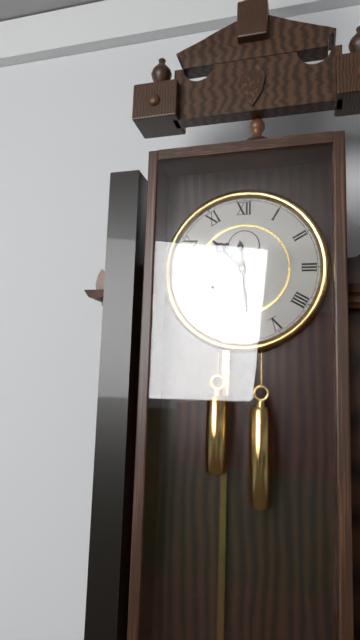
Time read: **10:29**
